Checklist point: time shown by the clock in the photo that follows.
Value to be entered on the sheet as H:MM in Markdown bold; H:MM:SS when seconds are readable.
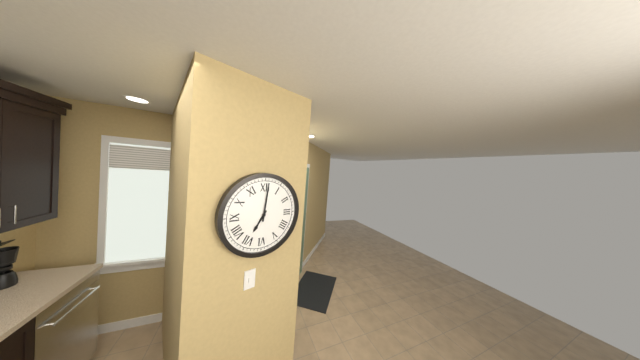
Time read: **7:01**
